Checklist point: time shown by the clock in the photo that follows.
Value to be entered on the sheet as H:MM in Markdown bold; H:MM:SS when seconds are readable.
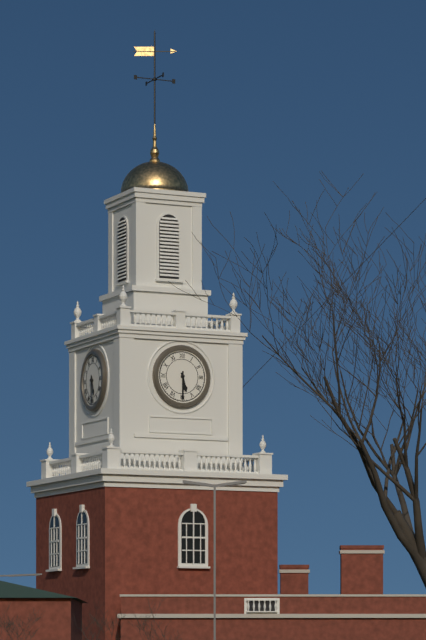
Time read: **5:30**
